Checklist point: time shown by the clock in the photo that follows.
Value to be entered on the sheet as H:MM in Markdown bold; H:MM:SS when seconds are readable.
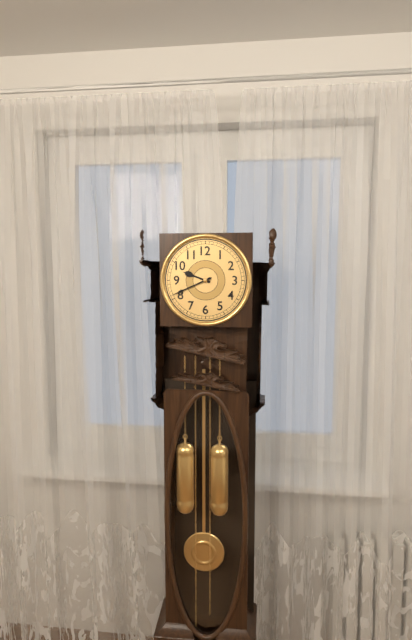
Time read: **9:41**
